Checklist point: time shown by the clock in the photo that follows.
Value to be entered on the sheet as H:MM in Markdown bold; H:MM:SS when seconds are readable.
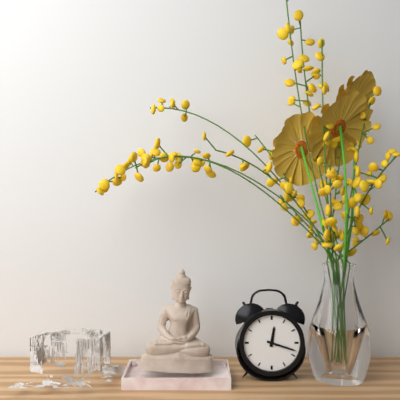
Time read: **12:18**
